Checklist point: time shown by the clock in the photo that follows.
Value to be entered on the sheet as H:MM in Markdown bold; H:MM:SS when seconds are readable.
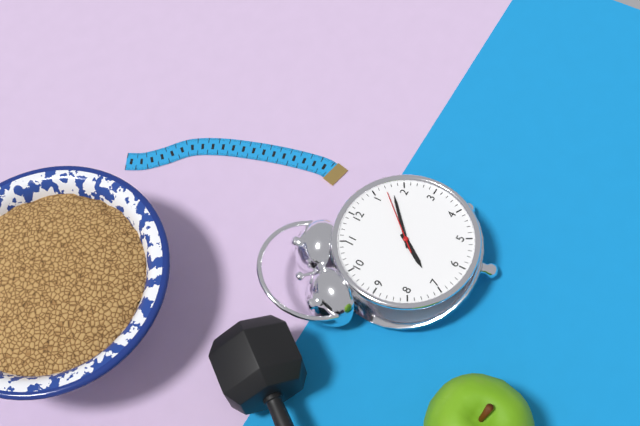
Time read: **7:08:07**
